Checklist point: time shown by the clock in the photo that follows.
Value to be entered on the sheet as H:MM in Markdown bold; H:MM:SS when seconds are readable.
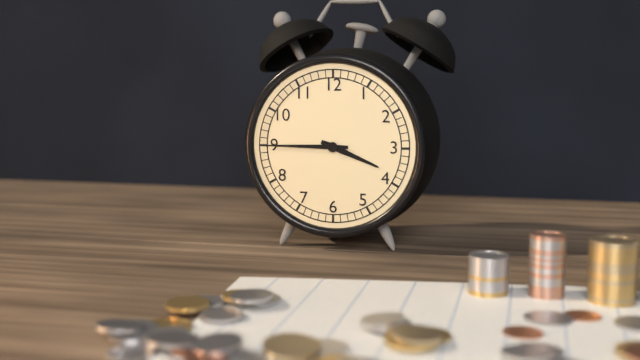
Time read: **3:45**
